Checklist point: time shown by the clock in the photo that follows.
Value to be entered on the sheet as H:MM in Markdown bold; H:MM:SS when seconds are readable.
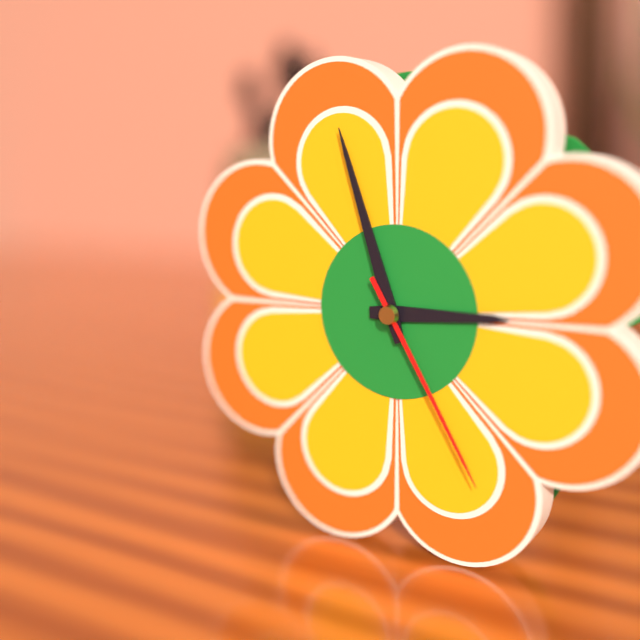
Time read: **2:57:25**
